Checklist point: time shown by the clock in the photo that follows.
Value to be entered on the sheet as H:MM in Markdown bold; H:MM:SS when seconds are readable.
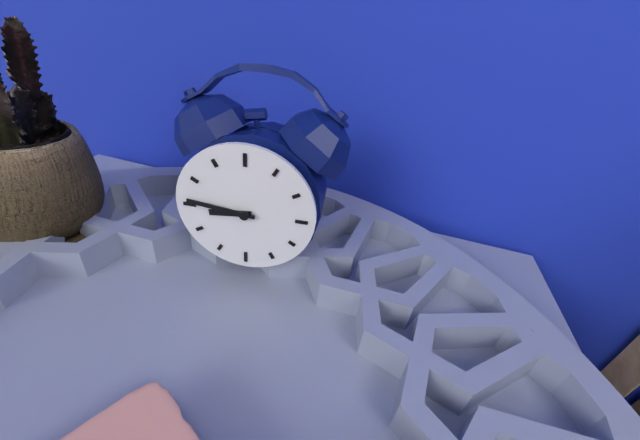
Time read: **8:46**
